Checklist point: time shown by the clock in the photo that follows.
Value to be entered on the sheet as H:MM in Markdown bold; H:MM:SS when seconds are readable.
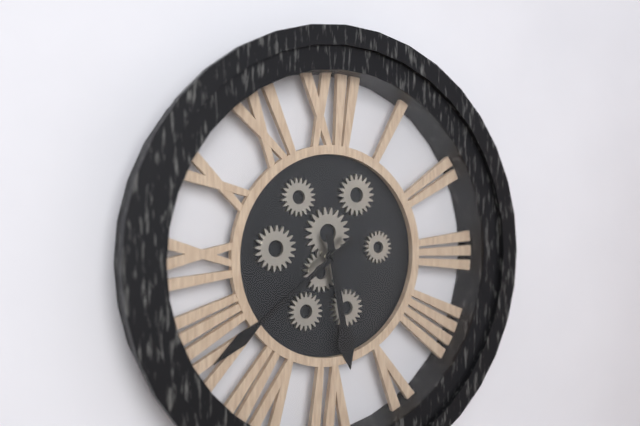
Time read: **5:39**
